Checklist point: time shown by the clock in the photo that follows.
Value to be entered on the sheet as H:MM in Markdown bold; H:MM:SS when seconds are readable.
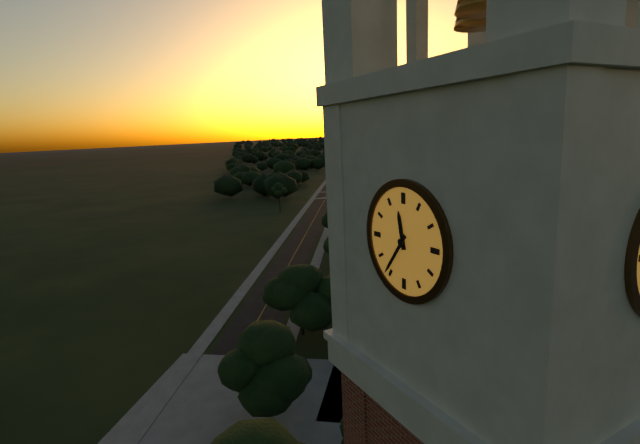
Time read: **11:36**
